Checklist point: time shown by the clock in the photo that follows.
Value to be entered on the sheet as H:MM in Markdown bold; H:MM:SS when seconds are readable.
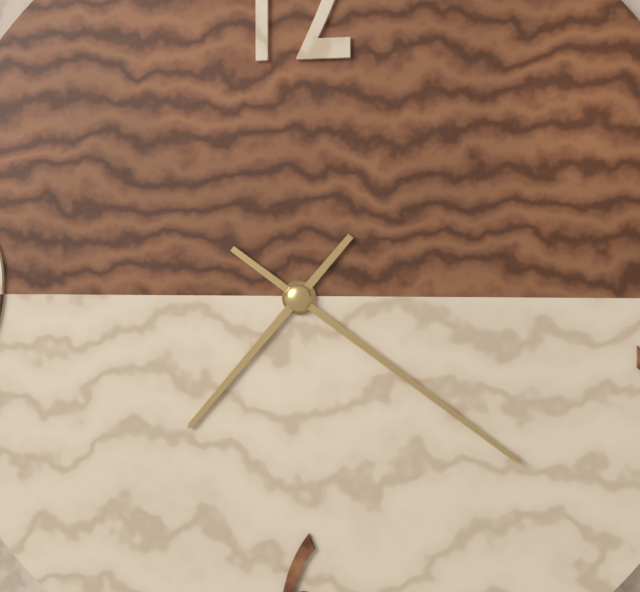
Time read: **7:21**
